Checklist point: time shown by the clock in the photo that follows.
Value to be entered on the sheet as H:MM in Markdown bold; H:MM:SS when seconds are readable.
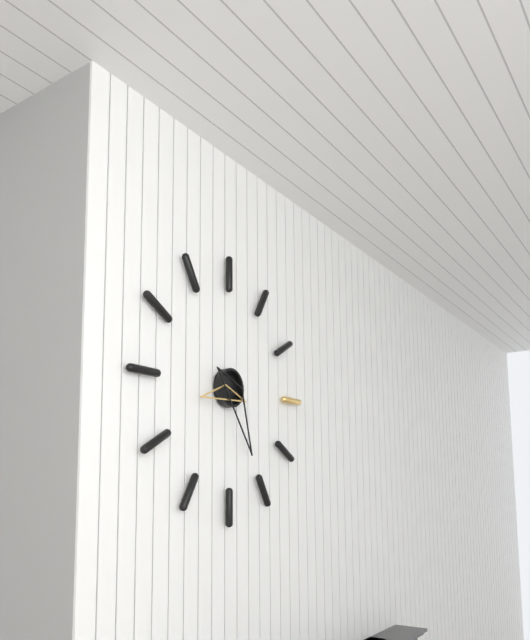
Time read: **8:26**
